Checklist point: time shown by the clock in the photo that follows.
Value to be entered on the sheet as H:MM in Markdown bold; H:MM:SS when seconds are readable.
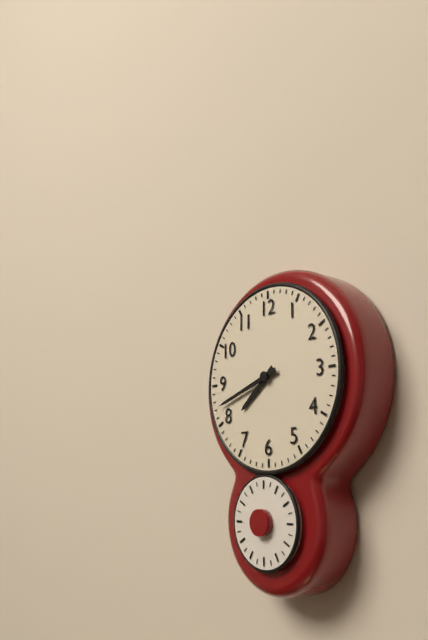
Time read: **7:42**
